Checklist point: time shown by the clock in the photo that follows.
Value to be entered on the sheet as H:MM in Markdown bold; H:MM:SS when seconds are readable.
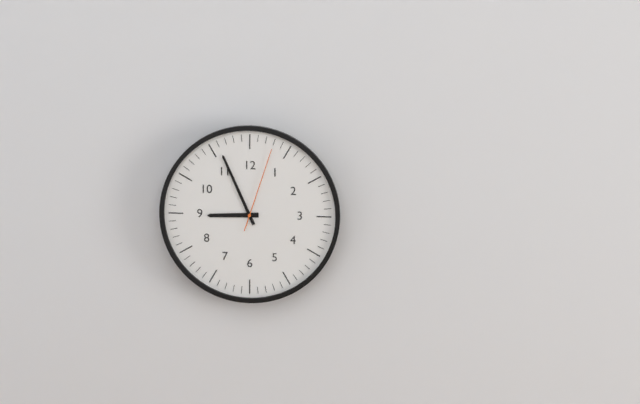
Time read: **8:56:03**
